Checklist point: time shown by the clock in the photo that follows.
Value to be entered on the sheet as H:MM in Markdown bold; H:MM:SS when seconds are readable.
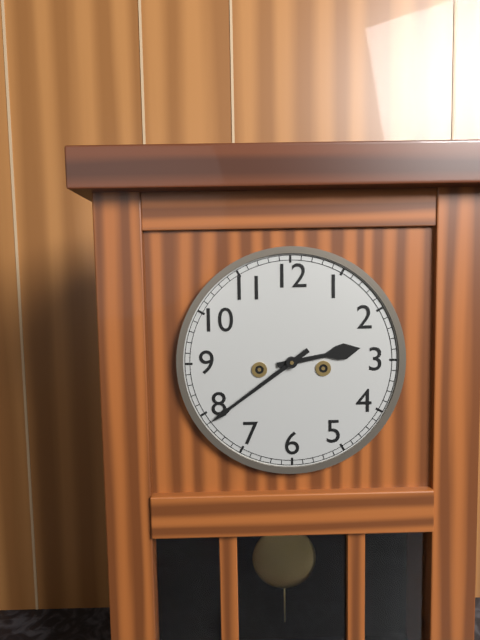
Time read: **2:39**
